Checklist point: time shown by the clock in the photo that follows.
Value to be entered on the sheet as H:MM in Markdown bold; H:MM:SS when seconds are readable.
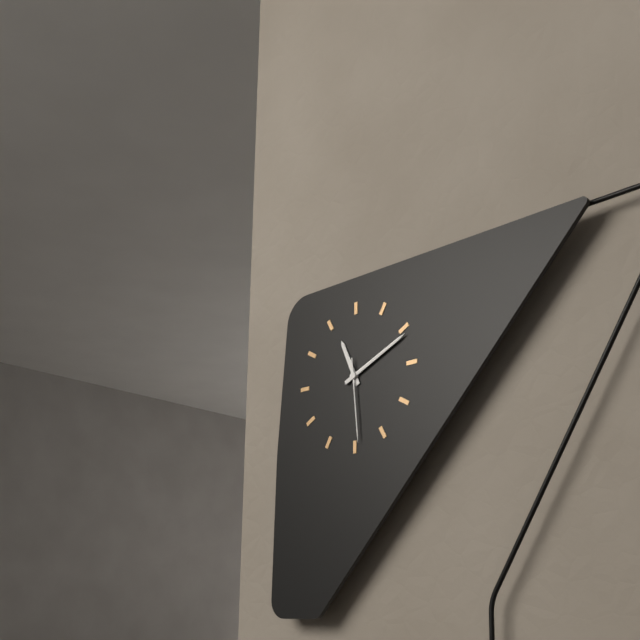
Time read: **11:11:29**
